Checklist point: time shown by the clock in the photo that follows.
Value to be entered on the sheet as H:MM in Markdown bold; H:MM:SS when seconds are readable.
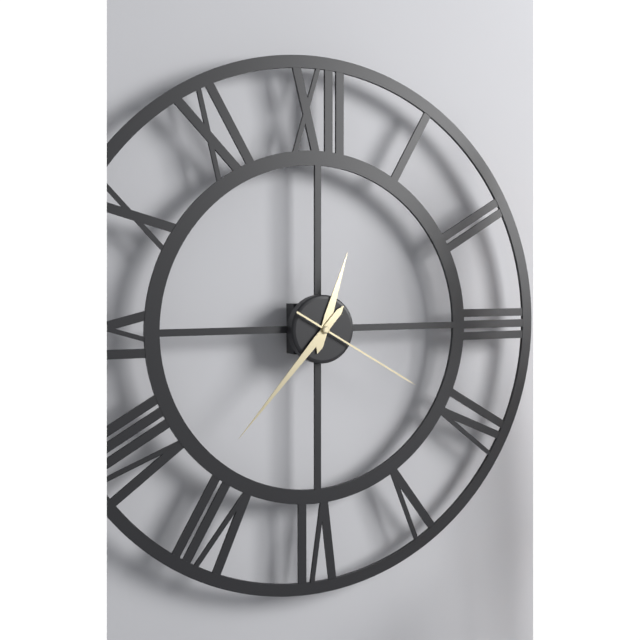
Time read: **12:37:20**
